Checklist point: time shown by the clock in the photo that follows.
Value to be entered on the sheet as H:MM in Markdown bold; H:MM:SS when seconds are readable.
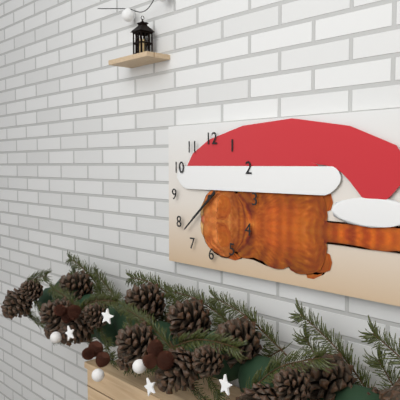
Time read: **7:38**
